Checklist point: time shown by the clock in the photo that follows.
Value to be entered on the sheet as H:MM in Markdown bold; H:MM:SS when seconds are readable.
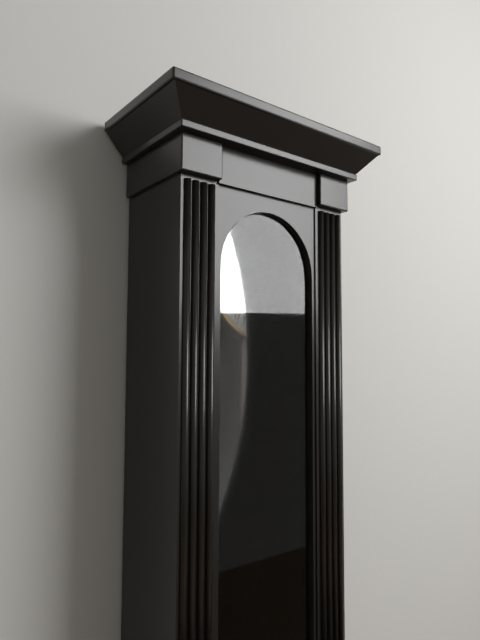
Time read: **5:37**
